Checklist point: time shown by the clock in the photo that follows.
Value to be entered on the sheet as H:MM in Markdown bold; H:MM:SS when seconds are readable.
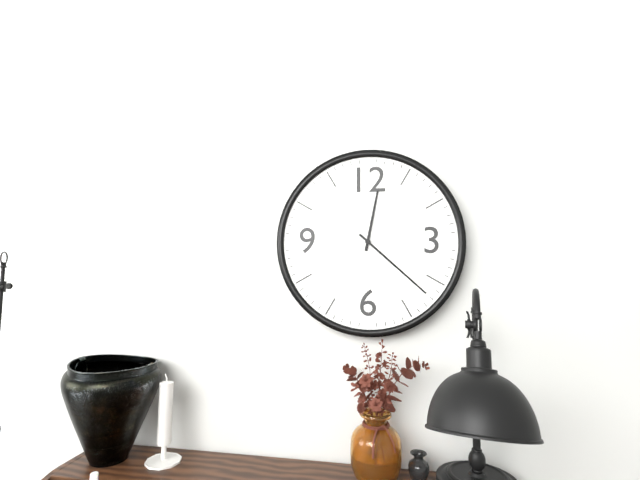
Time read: **12:22**
